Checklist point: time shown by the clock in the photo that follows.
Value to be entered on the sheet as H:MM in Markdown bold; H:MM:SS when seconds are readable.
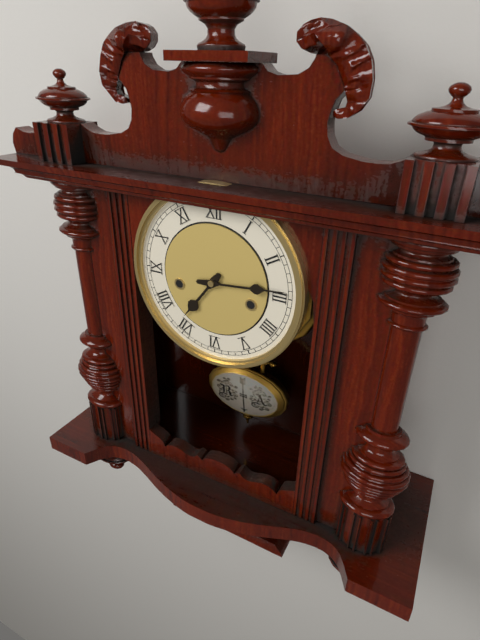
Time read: **7:14**
